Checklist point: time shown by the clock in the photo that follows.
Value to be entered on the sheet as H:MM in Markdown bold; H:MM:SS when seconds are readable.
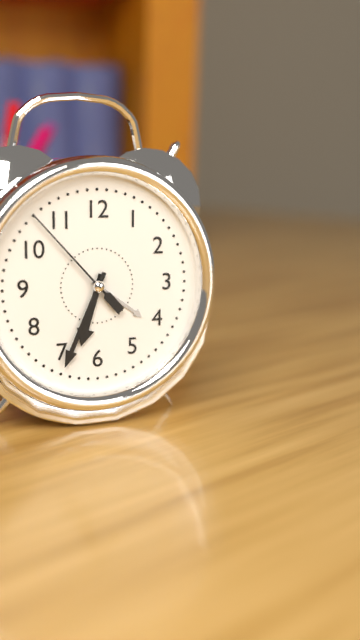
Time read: **6:34:53**
